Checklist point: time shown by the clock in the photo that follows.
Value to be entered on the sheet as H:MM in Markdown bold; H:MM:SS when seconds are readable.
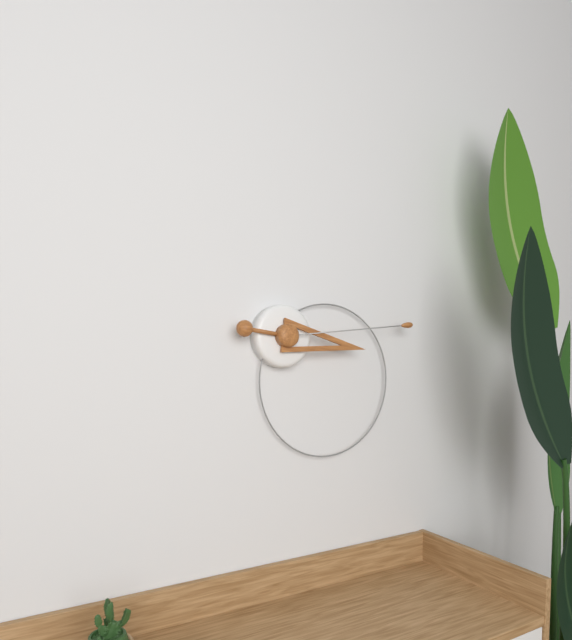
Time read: **3:14**
